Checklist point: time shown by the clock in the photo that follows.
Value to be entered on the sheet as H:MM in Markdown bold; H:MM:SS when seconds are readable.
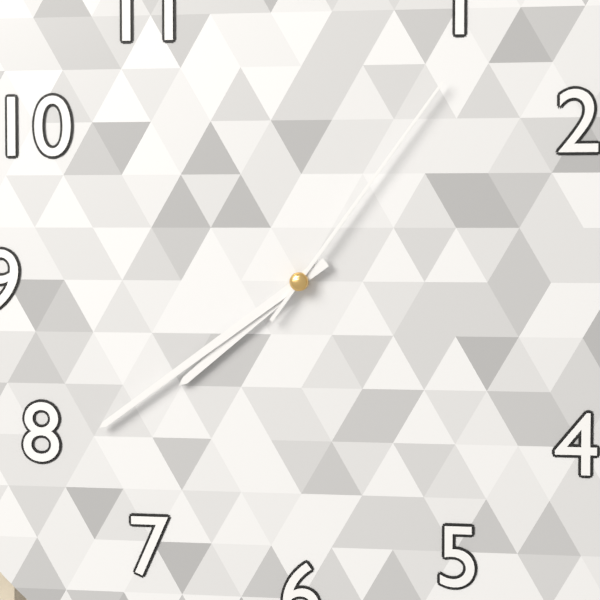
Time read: **7:39:06**
